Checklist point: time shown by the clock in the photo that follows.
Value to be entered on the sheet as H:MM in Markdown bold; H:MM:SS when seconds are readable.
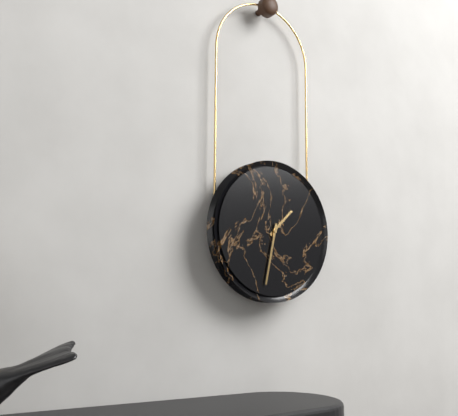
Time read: **1:32**
